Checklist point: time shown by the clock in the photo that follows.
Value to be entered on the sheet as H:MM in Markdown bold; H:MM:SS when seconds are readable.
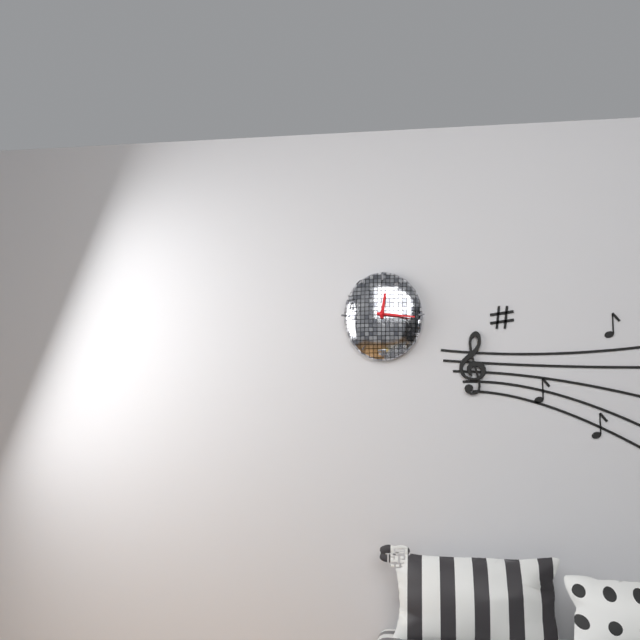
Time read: **12:16**
